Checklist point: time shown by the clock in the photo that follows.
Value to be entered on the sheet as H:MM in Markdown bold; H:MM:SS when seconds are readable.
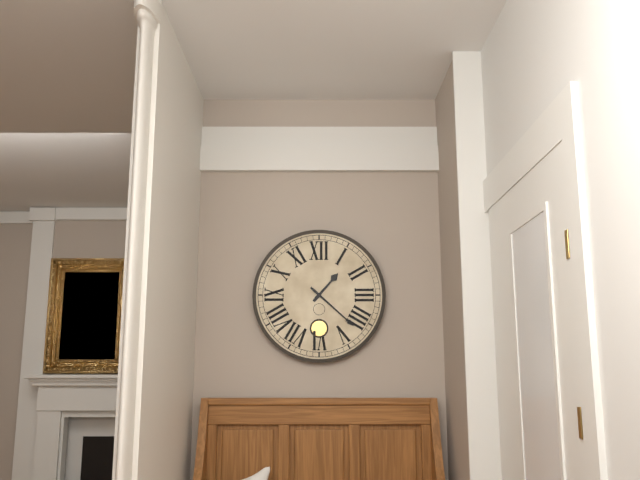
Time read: **1:22**
